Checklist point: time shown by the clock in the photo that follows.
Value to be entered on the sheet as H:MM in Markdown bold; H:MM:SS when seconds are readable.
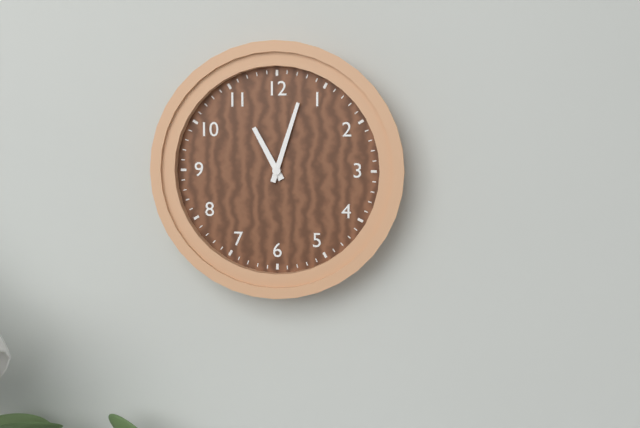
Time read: **11:03**
